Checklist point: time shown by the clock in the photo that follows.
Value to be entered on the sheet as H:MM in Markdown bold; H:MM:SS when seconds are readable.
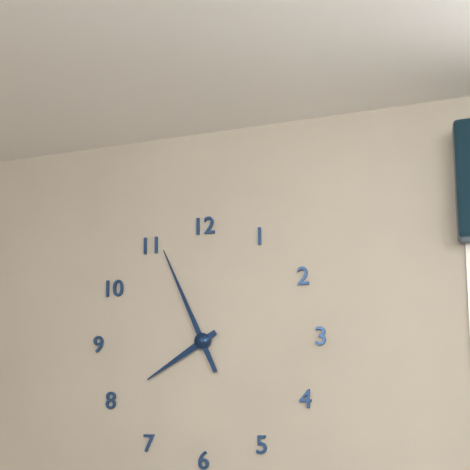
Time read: **7:56**
